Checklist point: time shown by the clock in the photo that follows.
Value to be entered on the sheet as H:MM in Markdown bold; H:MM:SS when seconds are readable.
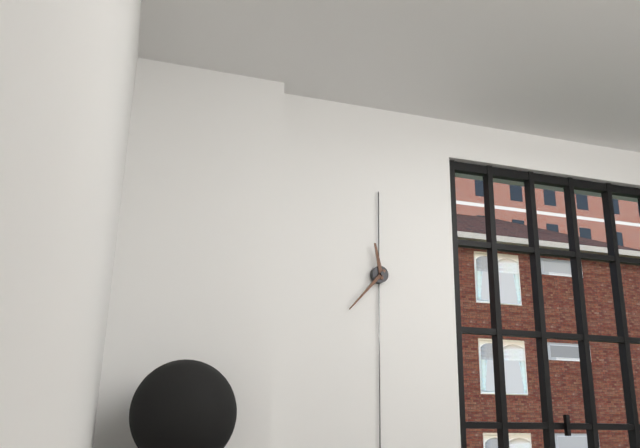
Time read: **11:37**
